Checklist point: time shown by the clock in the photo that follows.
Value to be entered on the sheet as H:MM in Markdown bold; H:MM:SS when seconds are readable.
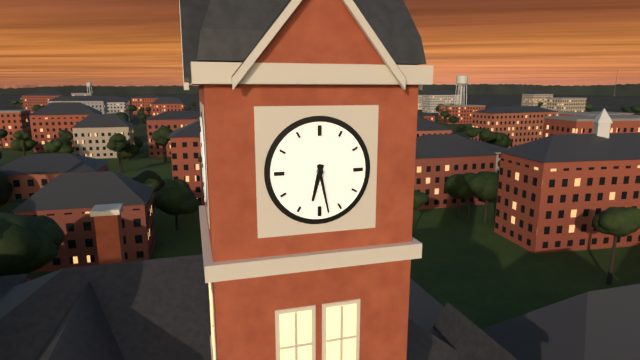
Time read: **6:28**
